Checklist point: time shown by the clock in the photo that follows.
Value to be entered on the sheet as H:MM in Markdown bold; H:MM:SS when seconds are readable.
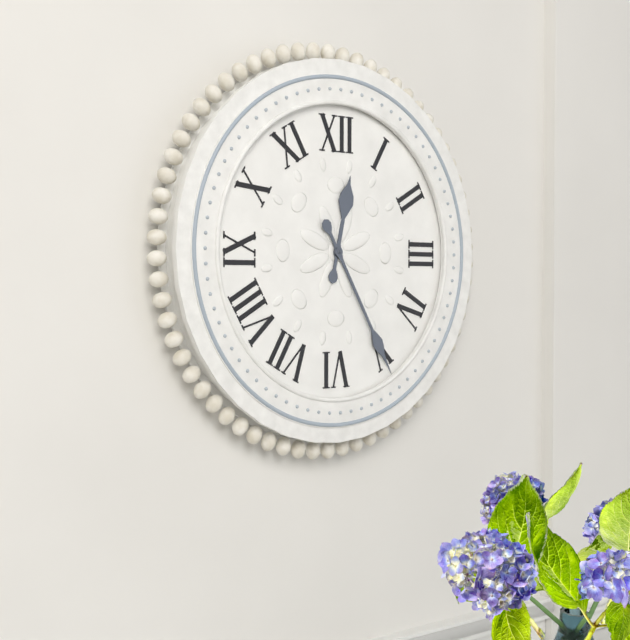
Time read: **12:25**
